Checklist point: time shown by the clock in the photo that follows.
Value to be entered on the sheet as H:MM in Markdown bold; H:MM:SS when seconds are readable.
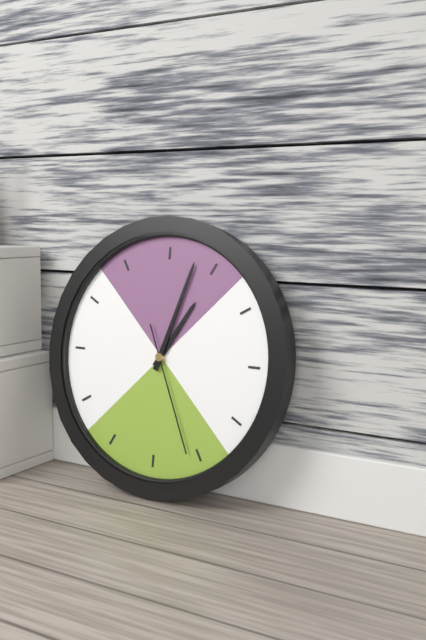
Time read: **1:03:26**
